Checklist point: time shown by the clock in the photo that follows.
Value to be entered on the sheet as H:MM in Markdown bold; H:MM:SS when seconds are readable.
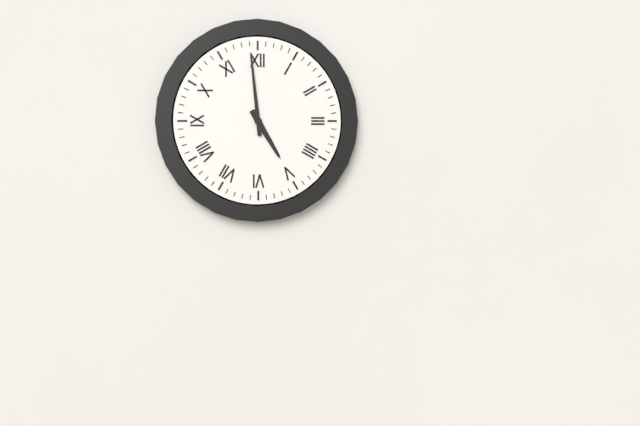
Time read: **4:59**
